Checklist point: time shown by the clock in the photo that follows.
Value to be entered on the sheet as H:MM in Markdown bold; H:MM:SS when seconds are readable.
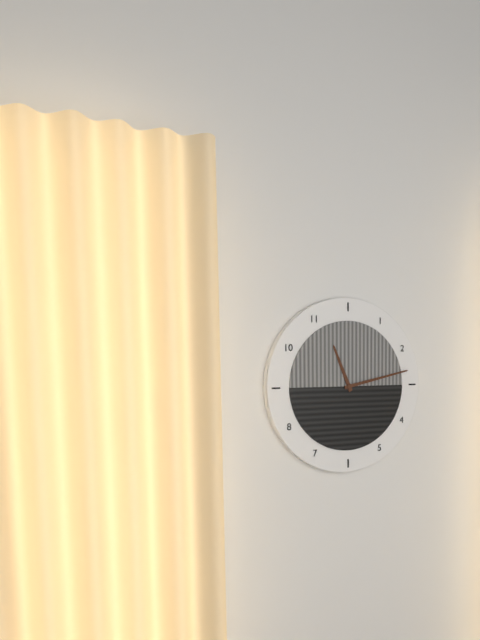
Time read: **11:13**
